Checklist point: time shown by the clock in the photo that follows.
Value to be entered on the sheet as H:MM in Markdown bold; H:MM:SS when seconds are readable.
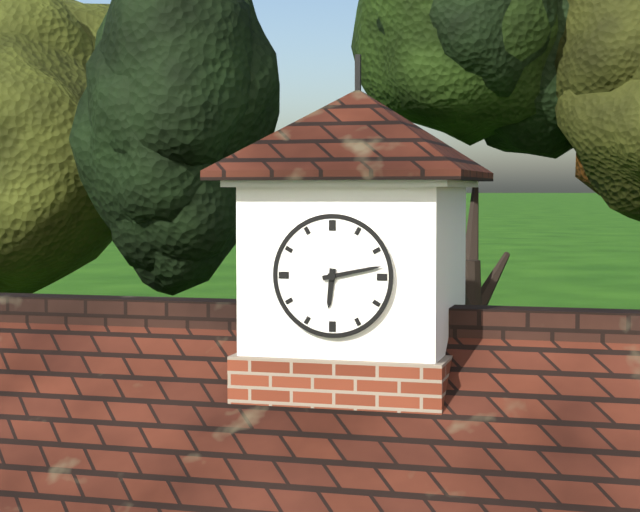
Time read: **6:13**
